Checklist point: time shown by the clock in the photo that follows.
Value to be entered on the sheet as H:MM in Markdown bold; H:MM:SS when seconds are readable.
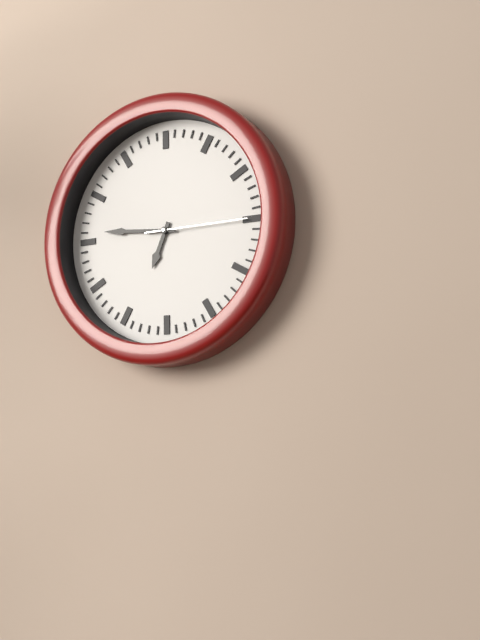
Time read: **6:46:15**
